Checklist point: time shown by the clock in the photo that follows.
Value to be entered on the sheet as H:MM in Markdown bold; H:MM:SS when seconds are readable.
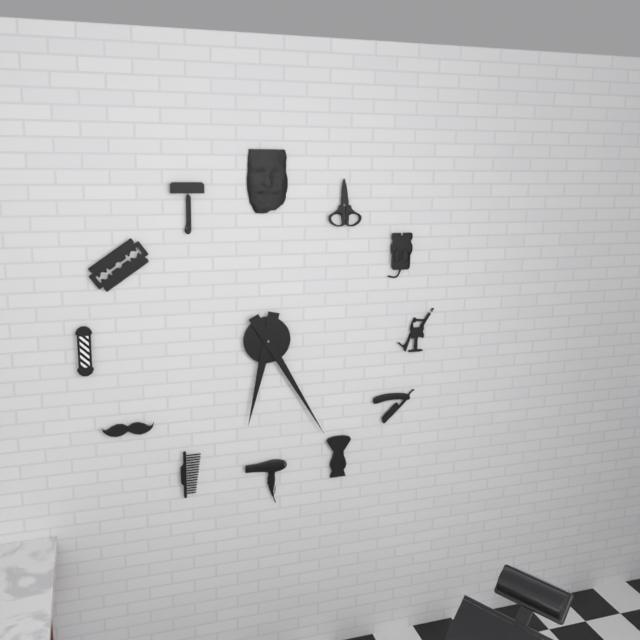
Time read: **6:25**
